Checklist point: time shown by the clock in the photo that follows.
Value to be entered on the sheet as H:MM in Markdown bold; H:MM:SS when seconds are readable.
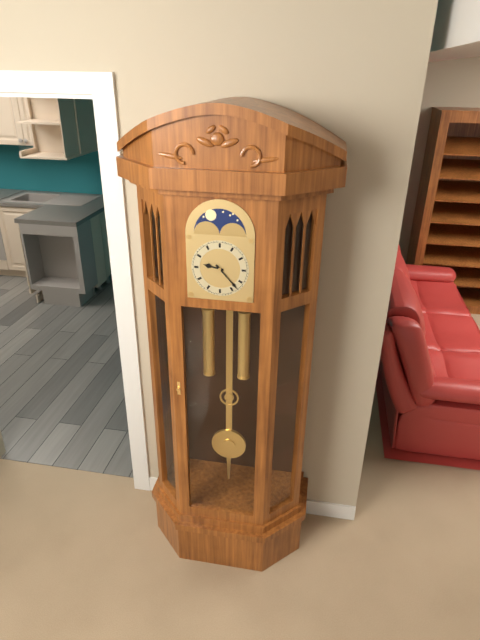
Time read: **9:23**
